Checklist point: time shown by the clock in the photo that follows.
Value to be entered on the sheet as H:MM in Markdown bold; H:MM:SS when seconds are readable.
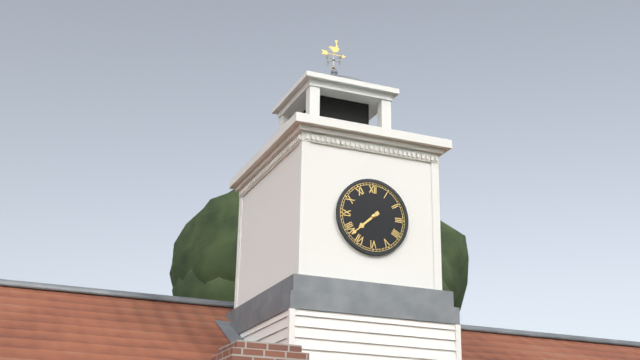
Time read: **7:38**
